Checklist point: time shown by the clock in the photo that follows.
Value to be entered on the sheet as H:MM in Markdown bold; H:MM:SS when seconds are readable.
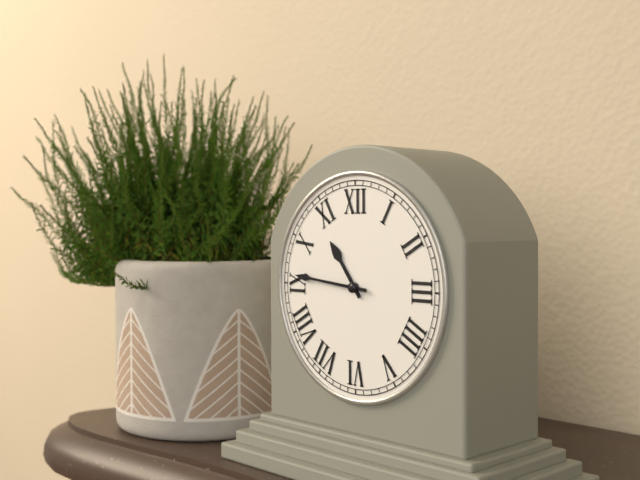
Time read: **10:46**
